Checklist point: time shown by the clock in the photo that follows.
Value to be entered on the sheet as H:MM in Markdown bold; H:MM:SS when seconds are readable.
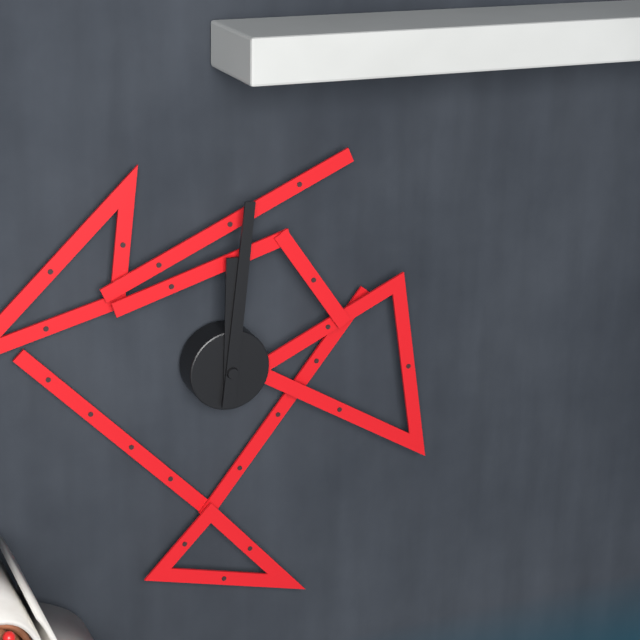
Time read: **12:01**
